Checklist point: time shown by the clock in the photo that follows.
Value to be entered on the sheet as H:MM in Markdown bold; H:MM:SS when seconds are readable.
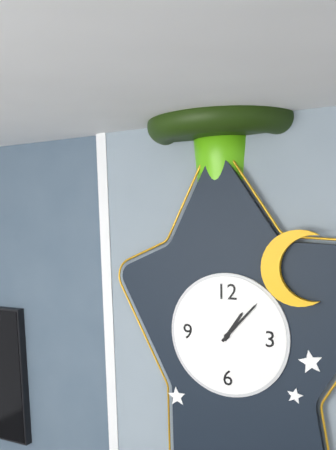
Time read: **1:07**
